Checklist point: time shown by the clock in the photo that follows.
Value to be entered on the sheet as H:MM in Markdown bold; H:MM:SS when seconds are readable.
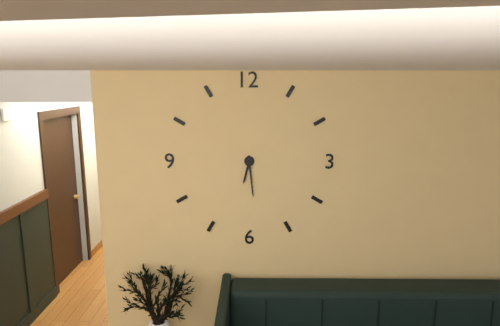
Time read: **6:29**
